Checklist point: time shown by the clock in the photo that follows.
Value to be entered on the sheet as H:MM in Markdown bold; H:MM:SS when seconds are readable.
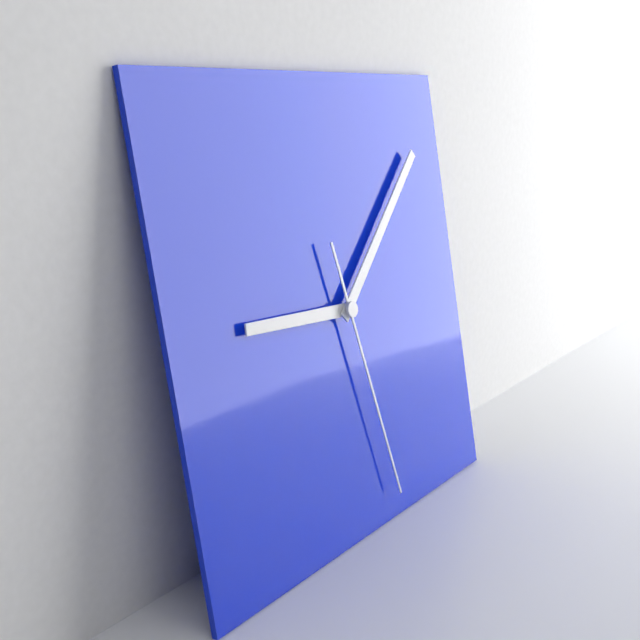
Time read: **9:08:28**
